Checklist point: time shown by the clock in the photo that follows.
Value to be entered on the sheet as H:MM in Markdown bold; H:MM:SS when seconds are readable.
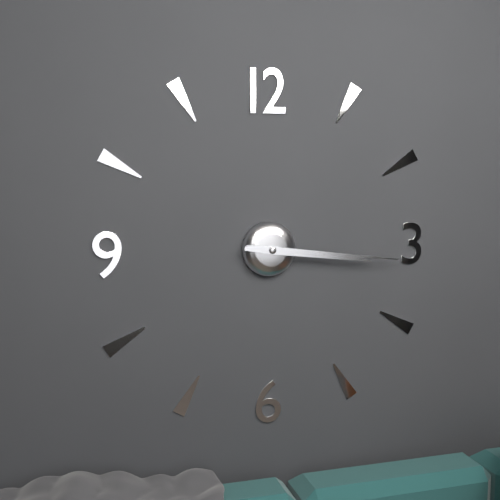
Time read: **3:16**
